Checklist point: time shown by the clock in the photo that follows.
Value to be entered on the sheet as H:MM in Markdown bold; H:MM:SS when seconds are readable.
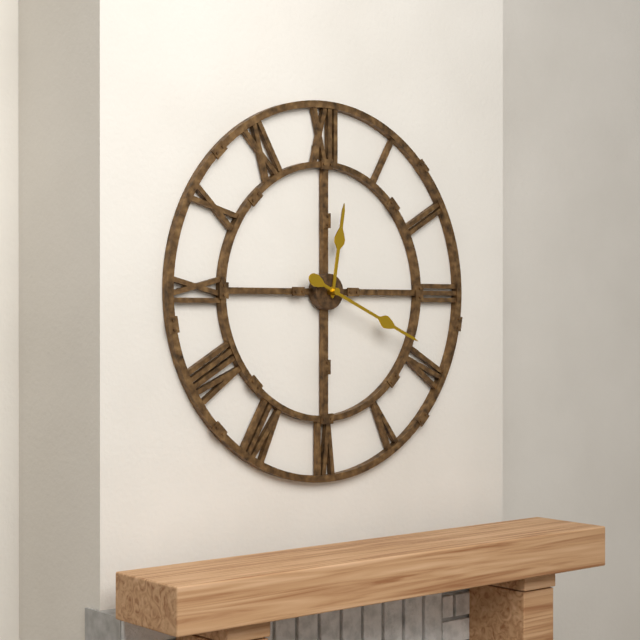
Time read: **12:19**
